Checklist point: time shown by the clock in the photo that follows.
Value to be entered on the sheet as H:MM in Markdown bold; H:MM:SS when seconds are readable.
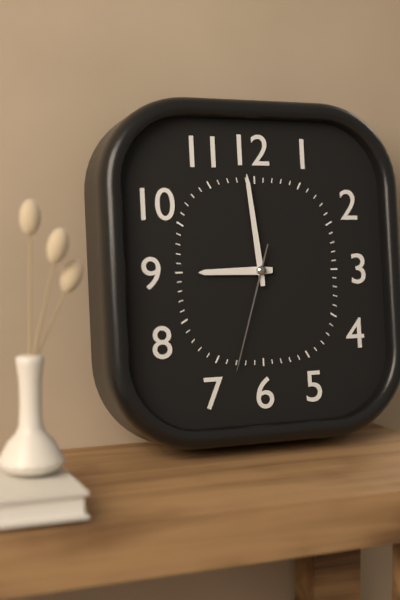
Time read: **8:59:33**
